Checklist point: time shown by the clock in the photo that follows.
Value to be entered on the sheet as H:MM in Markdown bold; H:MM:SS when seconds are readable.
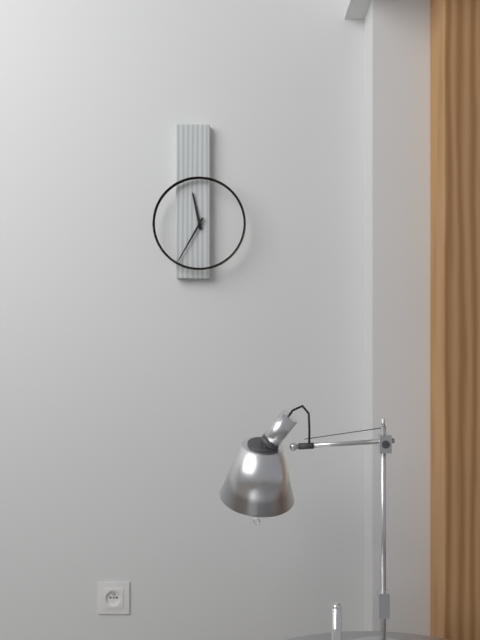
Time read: **11:35**
